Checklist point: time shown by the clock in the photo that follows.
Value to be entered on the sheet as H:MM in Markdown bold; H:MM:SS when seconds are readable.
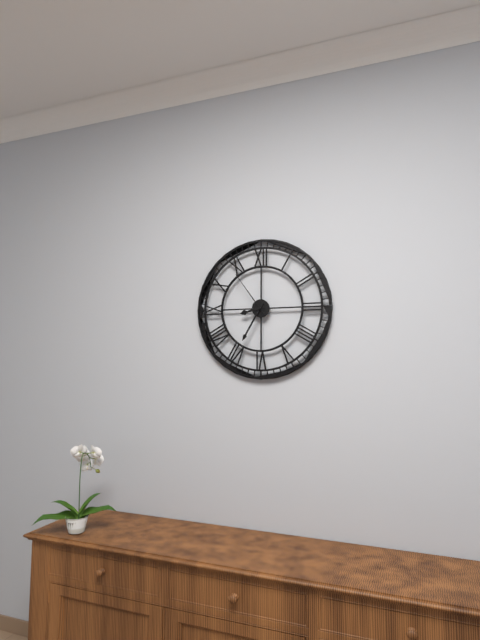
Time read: **8:35:54**
